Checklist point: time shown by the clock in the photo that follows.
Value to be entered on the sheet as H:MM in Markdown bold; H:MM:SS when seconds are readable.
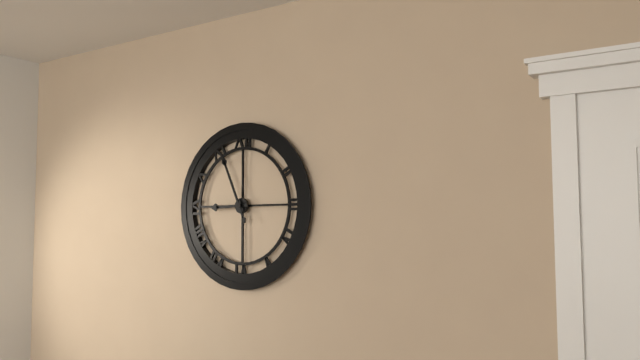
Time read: **8:56**
